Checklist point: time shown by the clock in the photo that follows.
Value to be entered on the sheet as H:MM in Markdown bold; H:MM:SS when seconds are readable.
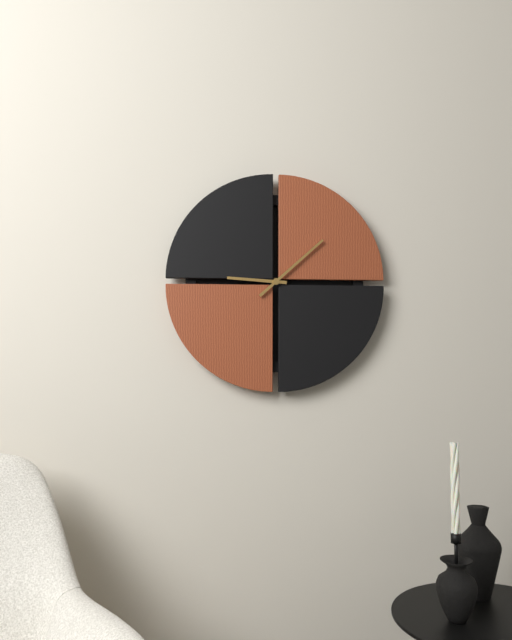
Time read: **9:08**
